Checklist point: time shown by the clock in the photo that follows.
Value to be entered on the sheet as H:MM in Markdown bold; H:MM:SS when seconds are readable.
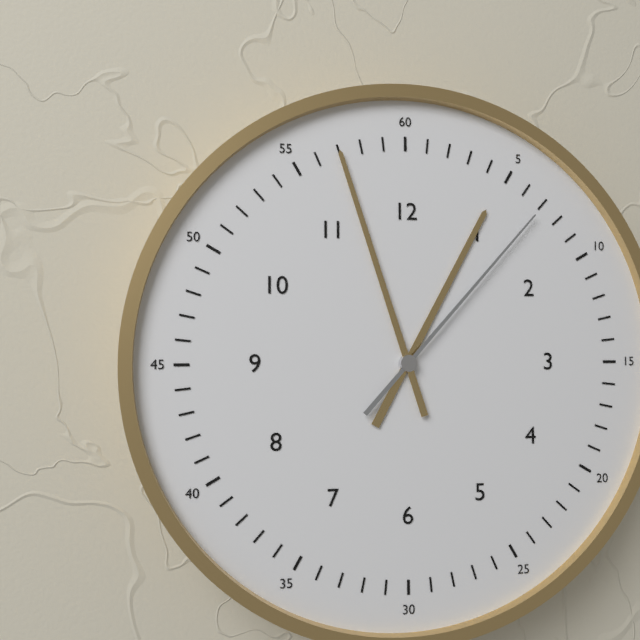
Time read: **12:57:07**
